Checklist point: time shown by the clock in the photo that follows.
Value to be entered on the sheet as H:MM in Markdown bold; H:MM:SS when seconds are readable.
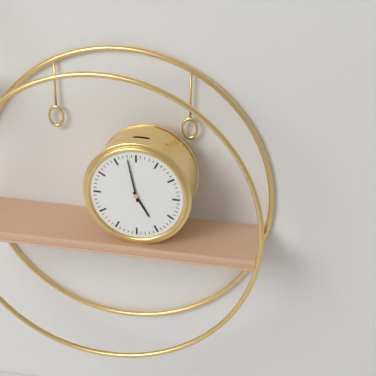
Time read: **4:58**
